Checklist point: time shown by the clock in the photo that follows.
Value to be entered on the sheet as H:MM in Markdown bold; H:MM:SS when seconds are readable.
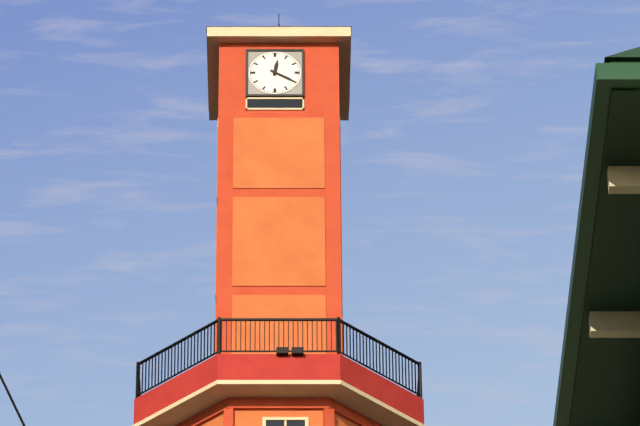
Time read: **12:20**
